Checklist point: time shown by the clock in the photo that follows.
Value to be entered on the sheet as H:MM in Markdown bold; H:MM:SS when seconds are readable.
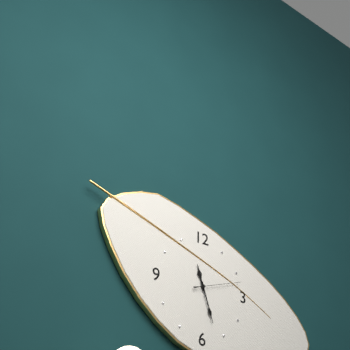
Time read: **11:27**
